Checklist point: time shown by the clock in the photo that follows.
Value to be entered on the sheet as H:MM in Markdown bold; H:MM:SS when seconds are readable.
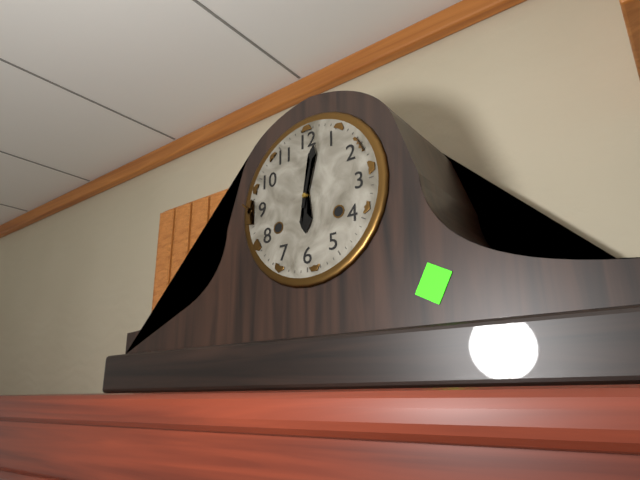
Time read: **6:02**
